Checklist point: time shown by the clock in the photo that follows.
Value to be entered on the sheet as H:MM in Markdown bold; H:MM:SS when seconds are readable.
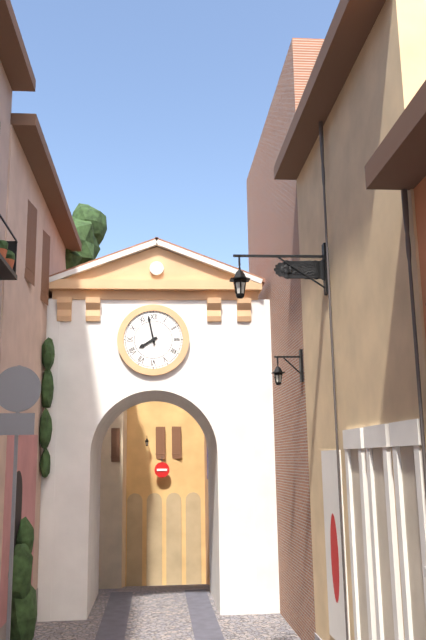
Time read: **7:58**
